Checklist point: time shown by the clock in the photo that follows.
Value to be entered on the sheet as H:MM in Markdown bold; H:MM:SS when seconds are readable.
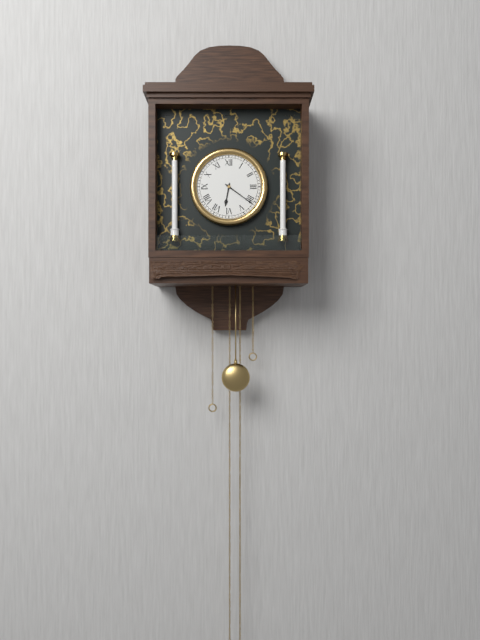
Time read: **6:21**
